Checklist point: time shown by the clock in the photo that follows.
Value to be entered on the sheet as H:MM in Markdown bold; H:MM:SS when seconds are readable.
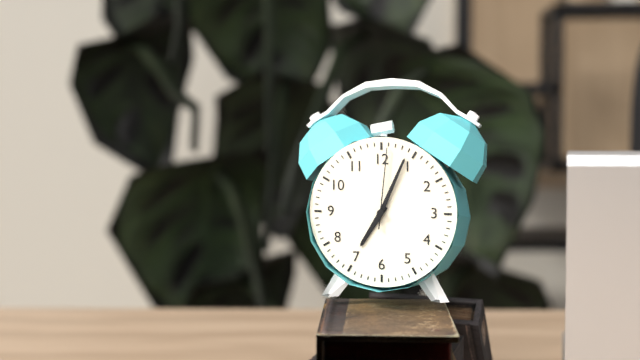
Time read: **7:04:01**
